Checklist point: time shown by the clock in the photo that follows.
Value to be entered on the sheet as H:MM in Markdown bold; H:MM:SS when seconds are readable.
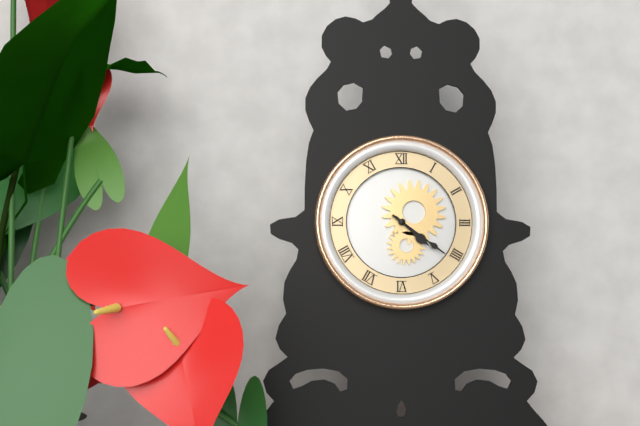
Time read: **4:21**
